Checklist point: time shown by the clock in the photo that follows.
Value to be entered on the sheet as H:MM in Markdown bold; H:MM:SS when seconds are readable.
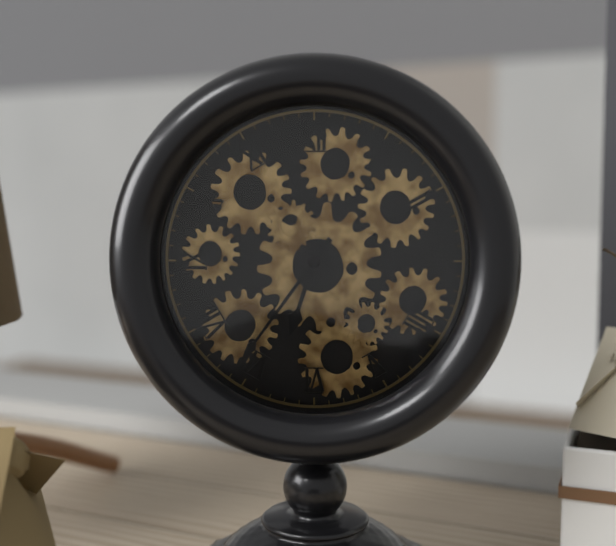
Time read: **6:36**
